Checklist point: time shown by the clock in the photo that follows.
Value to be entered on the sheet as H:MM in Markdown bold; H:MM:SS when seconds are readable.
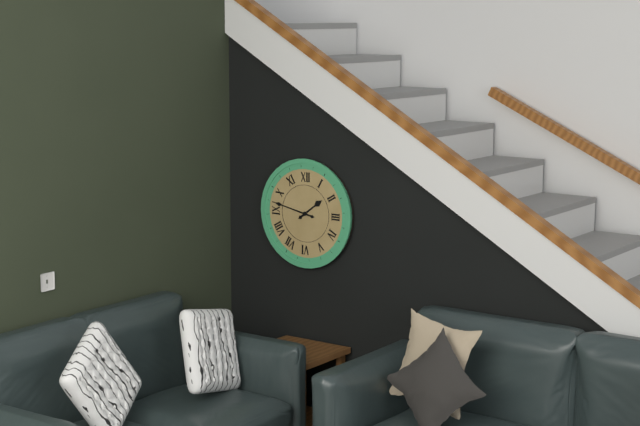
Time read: **1:47**
